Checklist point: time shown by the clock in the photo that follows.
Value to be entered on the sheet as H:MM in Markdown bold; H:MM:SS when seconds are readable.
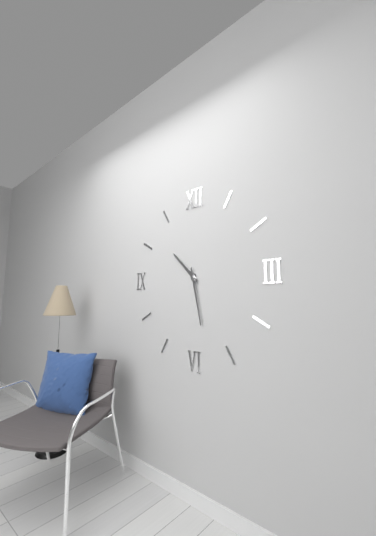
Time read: **10:28**
